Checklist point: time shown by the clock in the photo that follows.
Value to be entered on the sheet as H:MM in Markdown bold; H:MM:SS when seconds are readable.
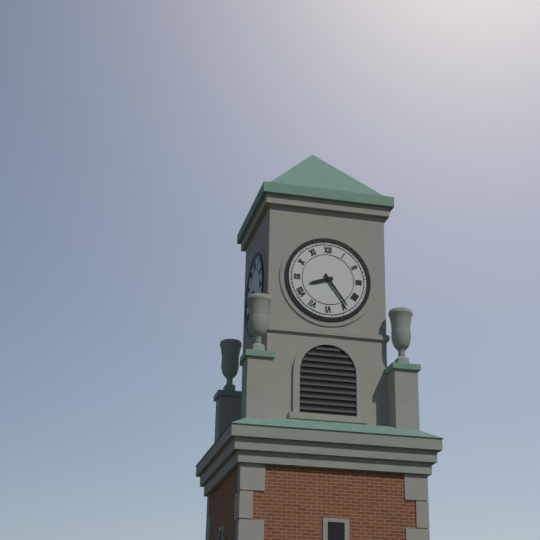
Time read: **8:24**
